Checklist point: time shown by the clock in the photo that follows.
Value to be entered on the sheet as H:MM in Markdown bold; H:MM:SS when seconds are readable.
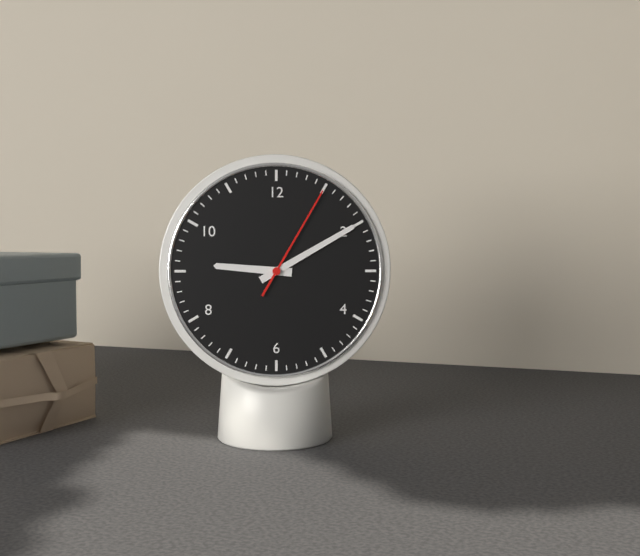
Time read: **9:10:05**
